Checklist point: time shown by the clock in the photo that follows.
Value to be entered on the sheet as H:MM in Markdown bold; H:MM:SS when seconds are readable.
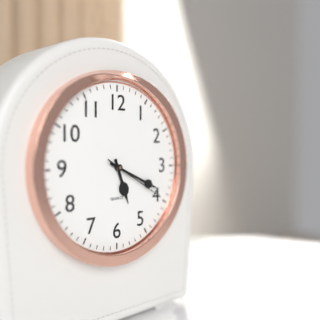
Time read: **5:19:20**
